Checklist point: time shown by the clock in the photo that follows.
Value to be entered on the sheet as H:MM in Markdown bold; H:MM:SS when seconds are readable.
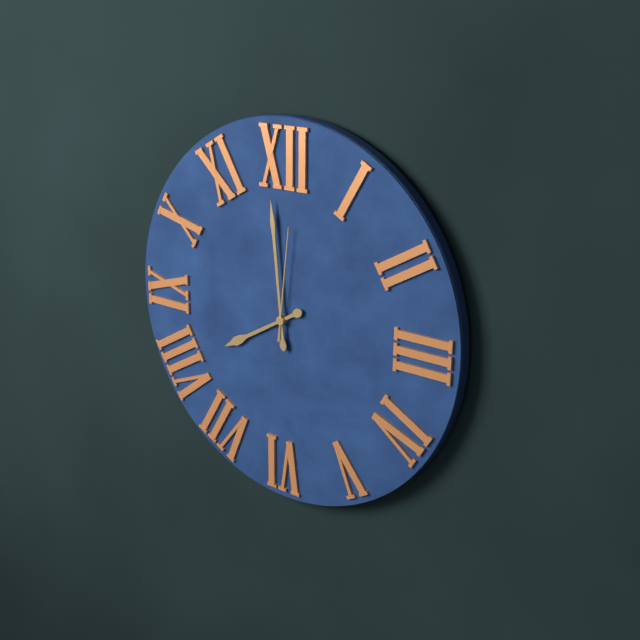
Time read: **7:59:01**
